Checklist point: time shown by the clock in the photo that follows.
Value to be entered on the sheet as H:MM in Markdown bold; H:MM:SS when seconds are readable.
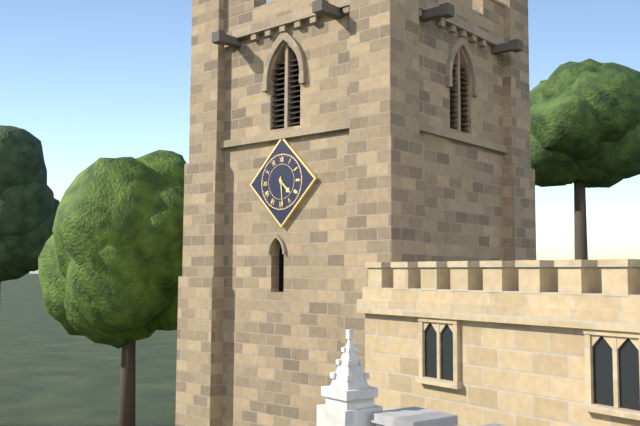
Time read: **4:29**
